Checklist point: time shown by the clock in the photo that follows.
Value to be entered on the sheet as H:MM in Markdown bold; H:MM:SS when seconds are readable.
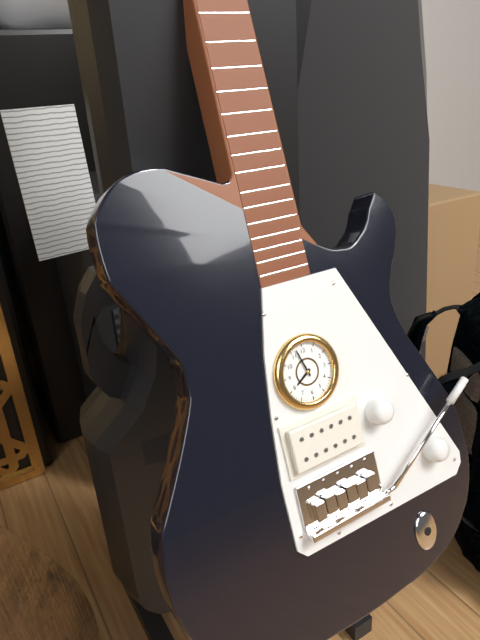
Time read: **7:57**
